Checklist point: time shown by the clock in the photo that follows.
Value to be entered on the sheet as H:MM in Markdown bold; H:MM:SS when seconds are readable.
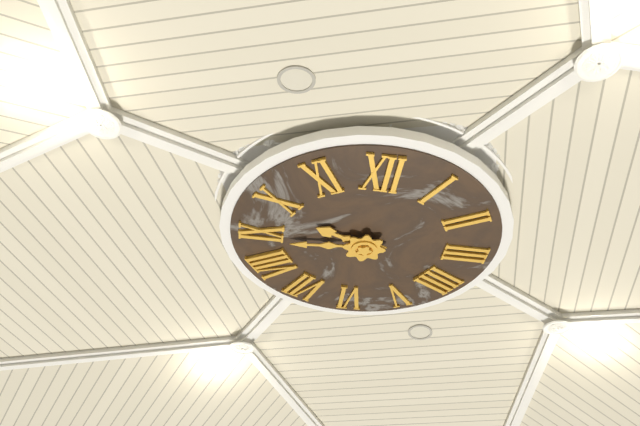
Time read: **9:44**
